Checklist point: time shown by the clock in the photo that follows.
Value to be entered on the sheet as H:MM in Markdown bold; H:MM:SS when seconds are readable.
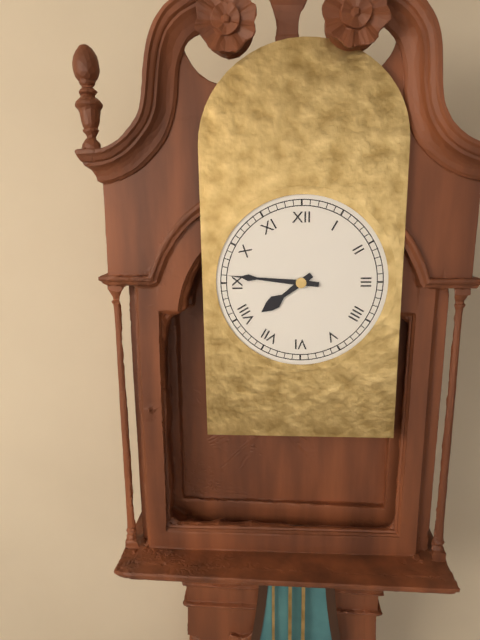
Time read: **7:46**
